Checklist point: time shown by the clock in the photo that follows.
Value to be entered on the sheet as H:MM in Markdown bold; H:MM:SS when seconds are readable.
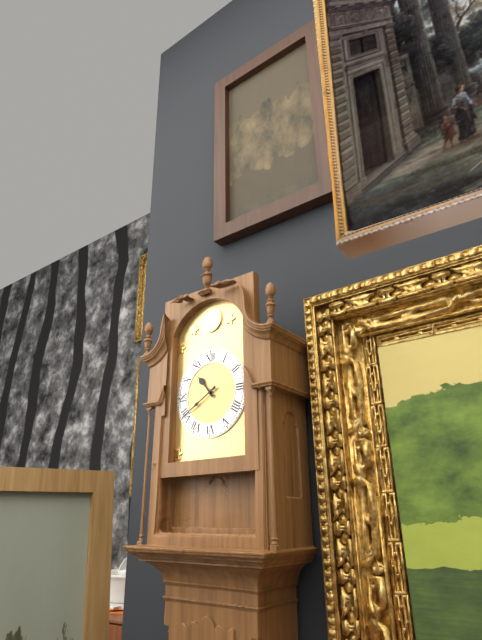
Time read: **10:40**
